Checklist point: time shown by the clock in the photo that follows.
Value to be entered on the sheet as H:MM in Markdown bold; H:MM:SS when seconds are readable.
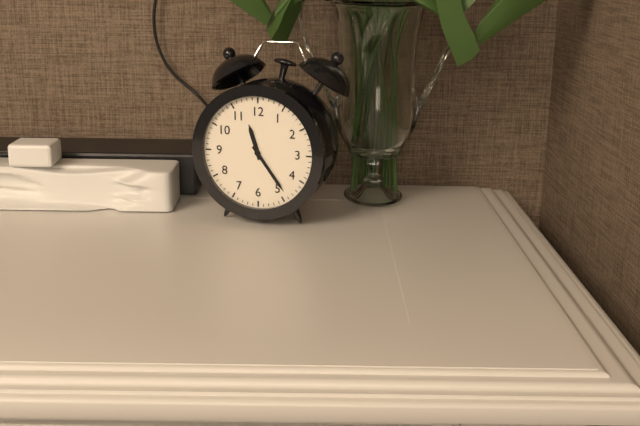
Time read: **11:24**
